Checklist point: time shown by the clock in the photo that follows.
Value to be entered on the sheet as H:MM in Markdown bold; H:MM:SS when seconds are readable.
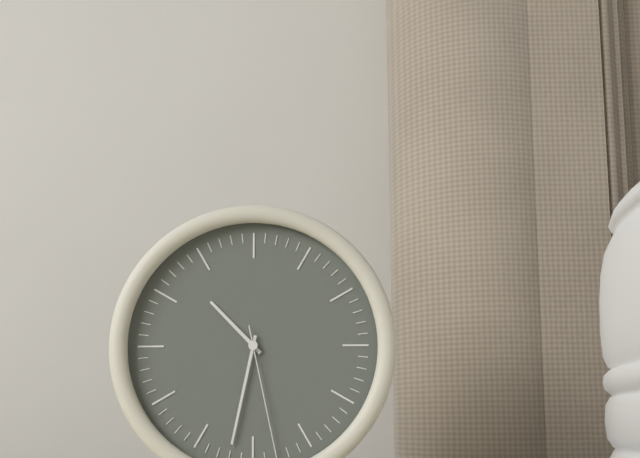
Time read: **10:32:28**
